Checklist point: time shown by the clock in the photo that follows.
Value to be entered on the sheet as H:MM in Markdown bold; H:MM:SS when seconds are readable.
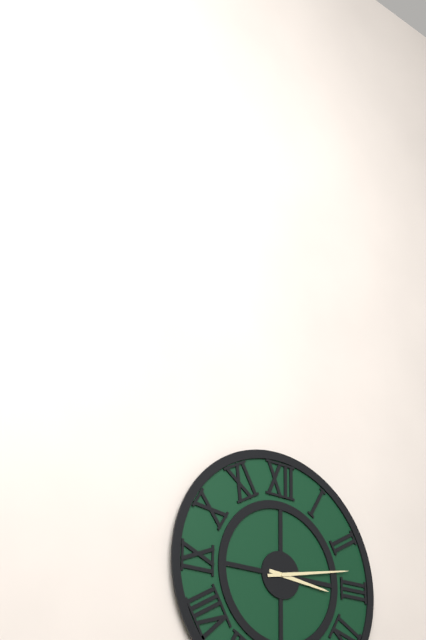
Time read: **3:13**
